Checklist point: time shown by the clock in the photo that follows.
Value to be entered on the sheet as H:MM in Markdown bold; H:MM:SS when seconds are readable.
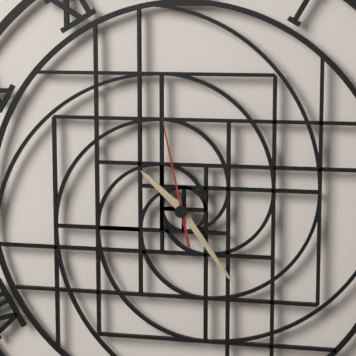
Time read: **10:24:58**
